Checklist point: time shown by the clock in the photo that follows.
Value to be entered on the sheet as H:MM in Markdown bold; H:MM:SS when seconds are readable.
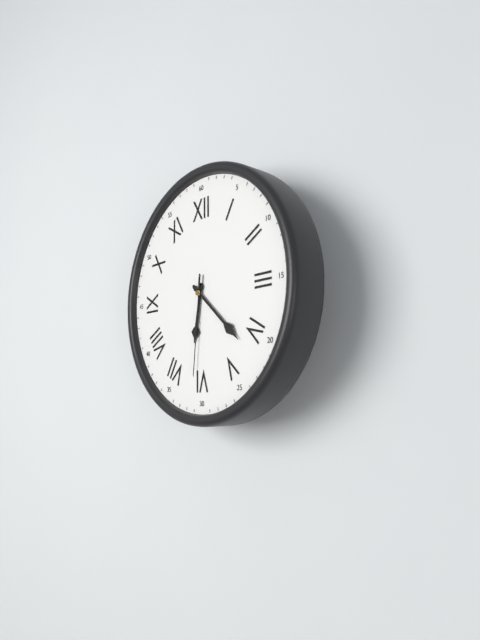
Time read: **6:22:31**
